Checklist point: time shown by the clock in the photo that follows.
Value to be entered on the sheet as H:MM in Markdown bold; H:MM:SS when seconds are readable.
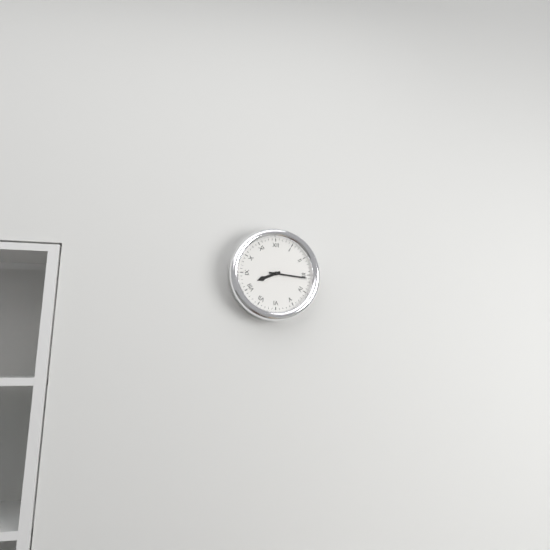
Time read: **8:16**
